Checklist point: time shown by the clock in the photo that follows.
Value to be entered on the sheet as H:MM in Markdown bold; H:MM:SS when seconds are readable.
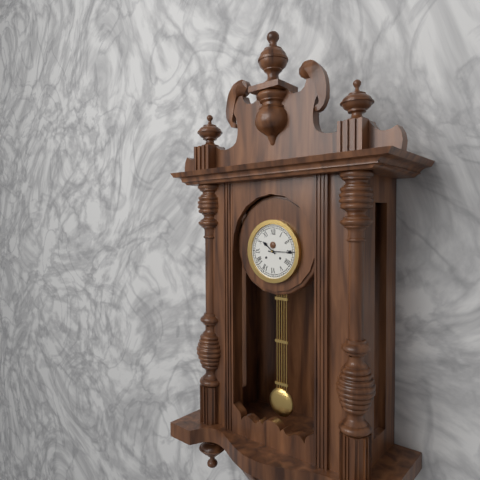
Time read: **10:15**
